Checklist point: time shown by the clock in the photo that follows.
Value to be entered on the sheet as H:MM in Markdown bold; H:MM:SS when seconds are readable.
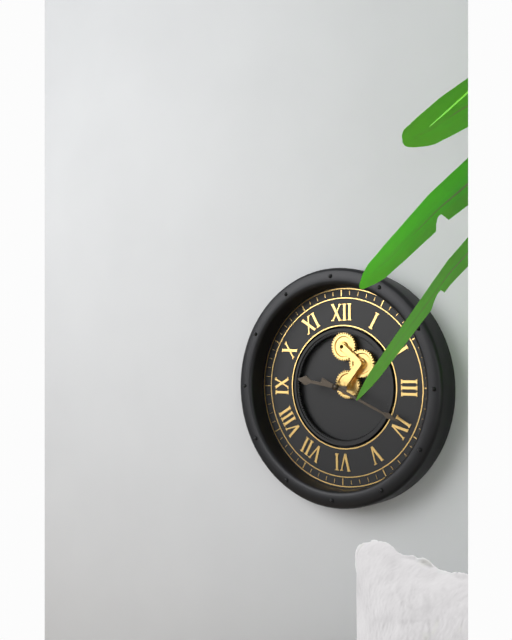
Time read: **9:19**
